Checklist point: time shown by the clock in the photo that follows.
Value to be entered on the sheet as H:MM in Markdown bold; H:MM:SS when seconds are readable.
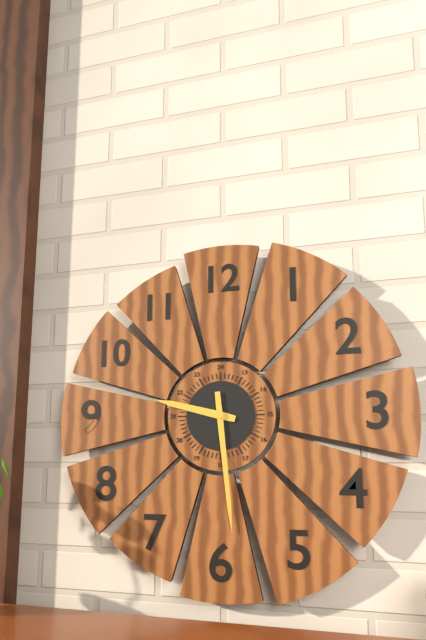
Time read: **9:29**
